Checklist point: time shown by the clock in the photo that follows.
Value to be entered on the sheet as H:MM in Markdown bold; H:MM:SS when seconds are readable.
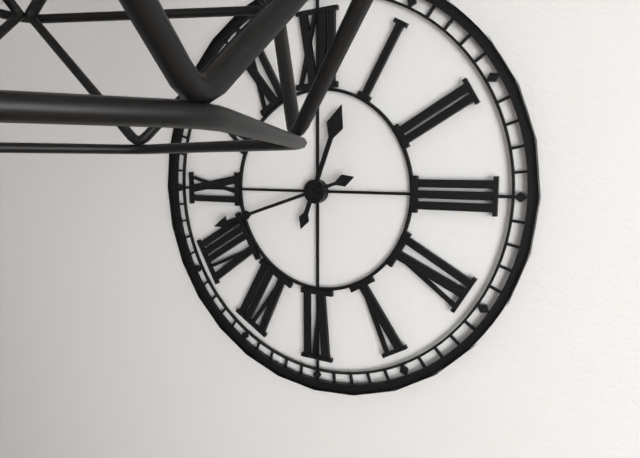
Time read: **12:42**
